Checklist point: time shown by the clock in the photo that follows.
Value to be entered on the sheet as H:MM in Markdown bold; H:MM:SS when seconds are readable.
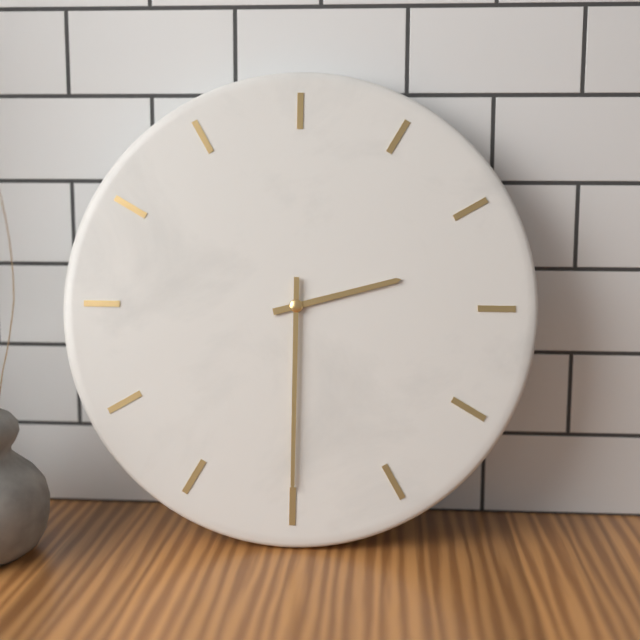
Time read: **2:30**
